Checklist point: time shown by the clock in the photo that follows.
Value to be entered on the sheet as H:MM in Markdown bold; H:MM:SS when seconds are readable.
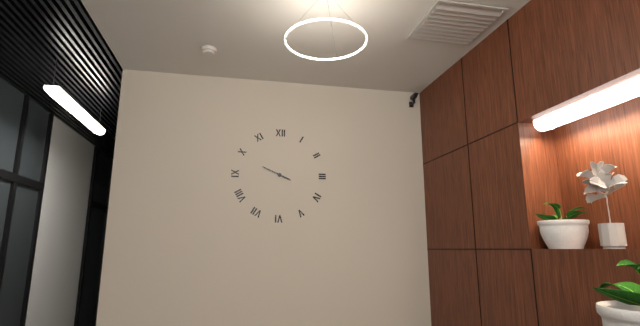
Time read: **3:49**
